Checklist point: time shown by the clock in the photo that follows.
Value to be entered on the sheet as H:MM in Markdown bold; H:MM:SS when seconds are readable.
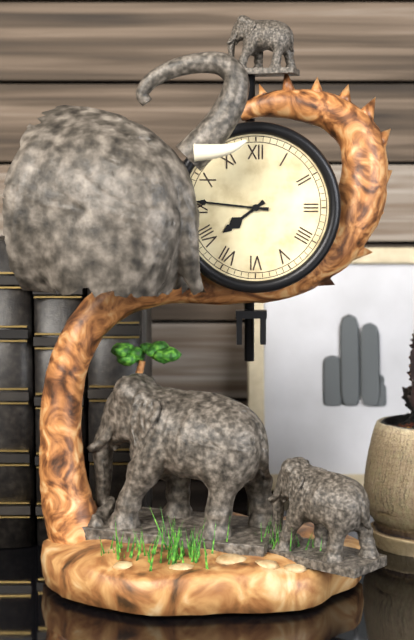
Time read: **7:46**
